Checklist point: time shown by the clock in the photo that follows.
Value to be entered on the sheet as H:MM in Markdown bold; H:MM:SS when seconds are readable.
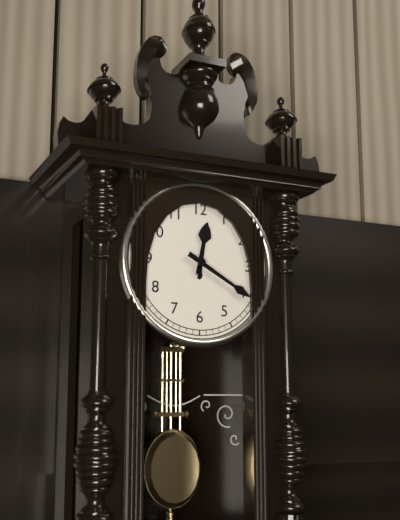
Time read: **12:20**
